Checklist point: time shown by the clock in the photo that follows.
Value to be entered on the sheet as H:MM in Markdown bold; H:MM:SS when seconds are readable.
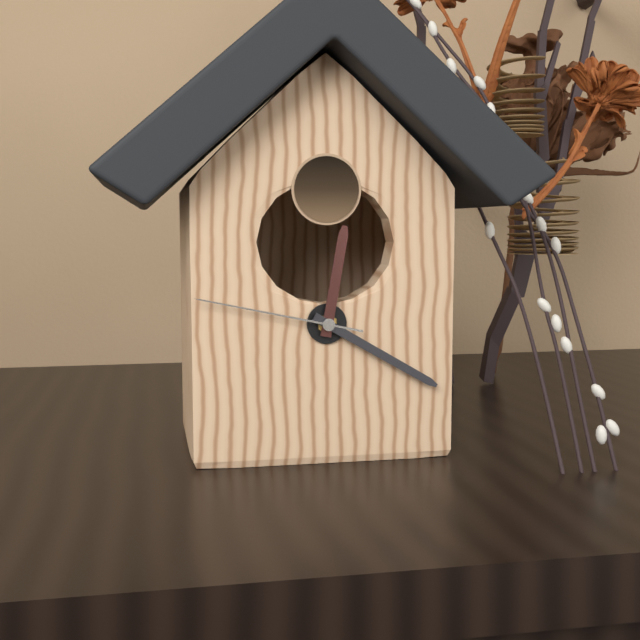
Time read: **12:20:47**
